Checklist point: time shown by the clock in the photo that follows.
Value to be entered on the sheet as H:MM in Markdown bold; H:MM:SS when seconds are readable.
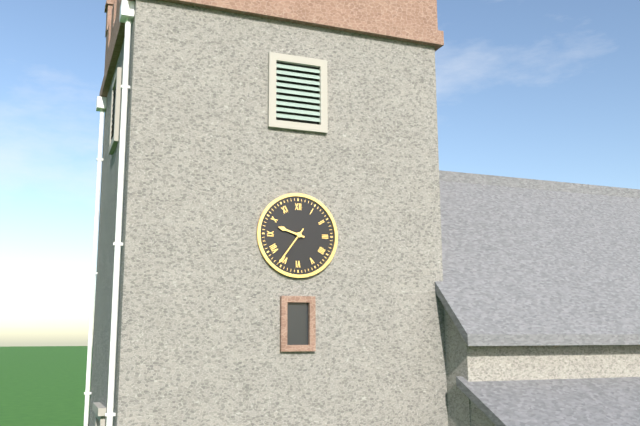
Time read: **9:36**
